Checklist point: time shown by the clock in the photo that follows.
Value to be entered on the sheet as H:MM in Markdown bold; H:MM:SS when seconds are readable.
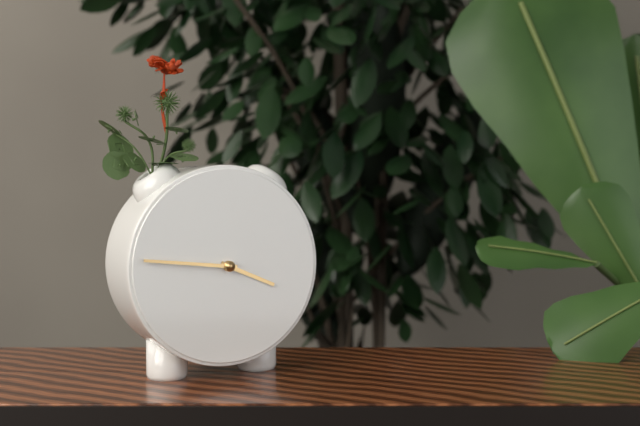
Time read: **3:46**
